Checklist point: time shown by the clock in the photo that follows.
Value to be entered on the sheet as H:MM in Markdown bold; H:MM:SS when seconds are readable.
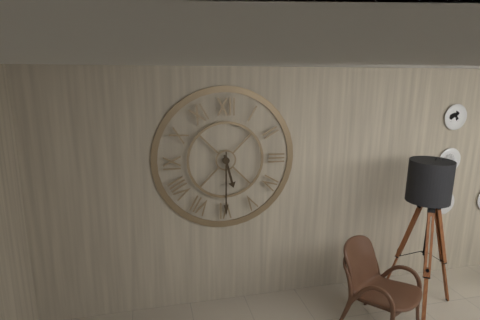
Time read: **5:30**
